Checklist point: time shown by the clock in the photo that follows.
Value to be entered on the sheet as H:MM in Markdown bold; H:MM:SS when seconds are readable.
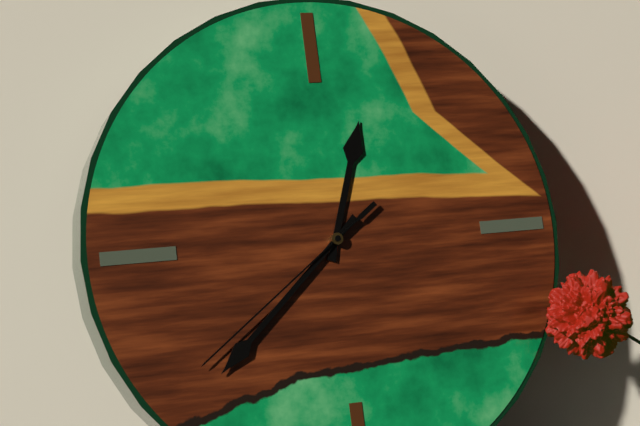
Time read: **12:38:39**
